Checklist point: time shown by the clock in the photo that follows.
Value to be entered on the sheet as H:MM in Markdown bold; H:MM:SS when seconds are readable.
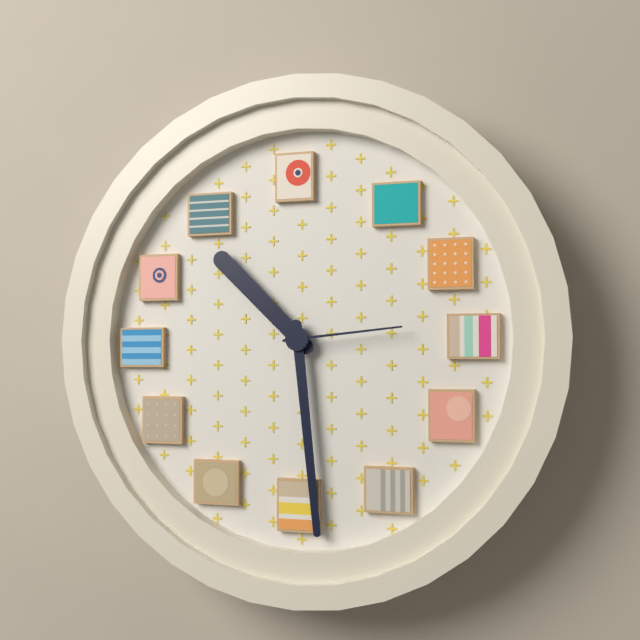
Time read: **10:29:14**
